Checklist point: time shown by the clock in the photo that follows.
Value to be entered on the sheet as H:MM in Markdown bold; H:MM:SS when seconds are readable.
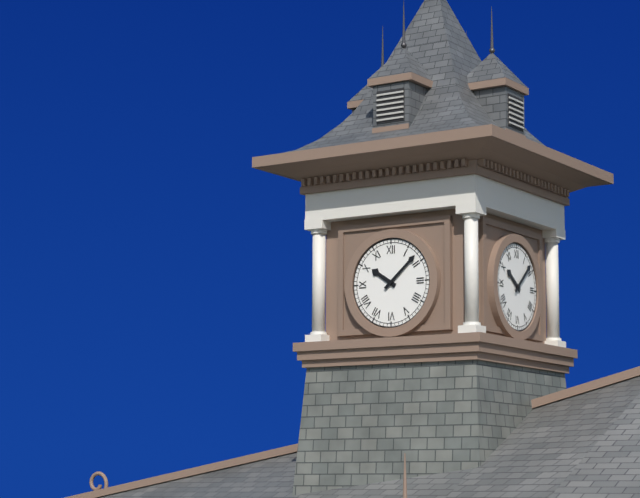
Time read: **10:08**
